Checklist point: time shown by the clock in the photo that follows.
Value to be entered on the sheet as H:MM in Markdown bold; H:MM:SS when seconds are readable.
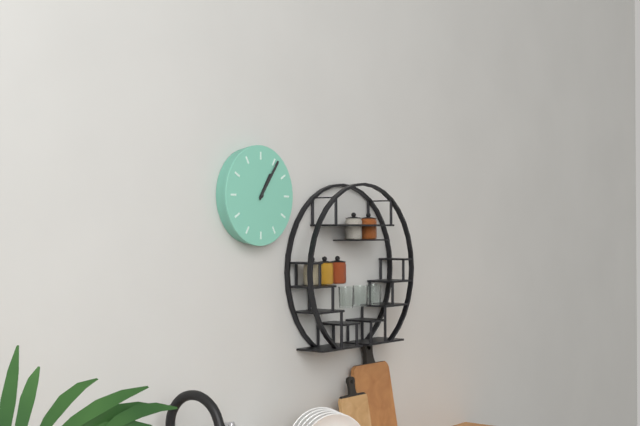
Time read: **1:06**
